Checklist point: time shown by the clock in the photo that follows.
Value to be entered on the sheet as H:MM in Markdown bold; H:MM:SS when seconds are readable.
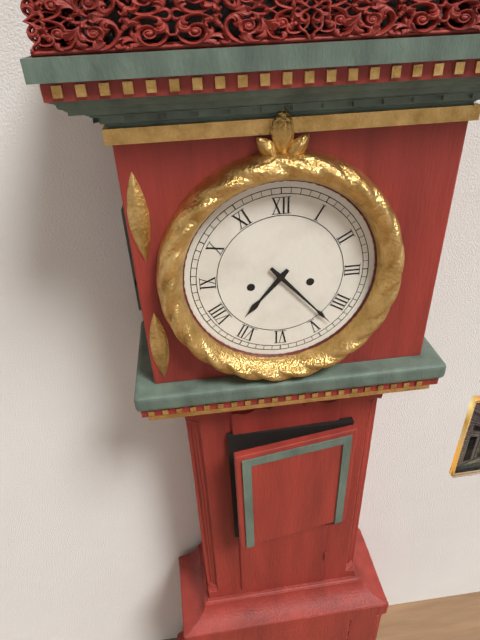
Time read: **7:23**
